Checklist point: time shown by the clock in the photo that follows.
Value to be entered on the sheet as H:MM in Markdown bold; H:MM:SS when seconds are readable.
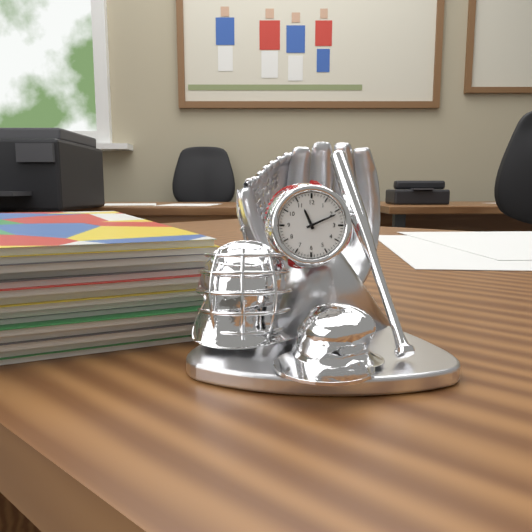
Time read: **11:11**
